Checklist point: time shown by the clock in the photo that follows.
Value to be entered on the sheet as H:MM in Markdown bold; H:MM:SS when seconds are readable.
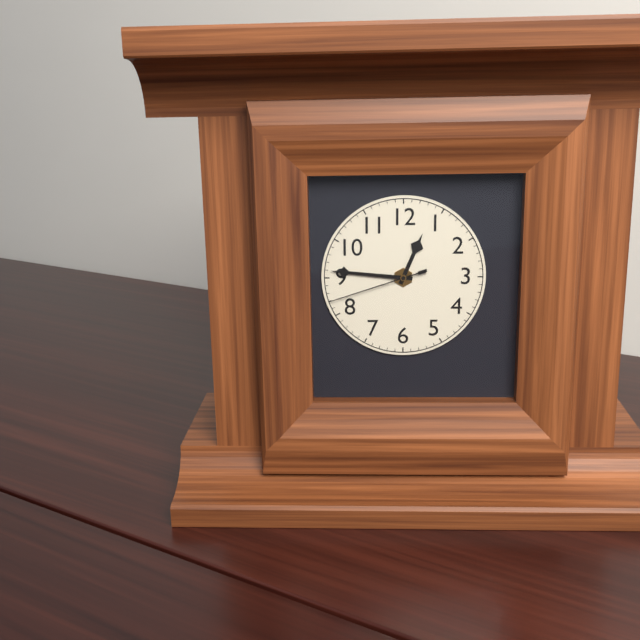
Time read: **12:46:42**
